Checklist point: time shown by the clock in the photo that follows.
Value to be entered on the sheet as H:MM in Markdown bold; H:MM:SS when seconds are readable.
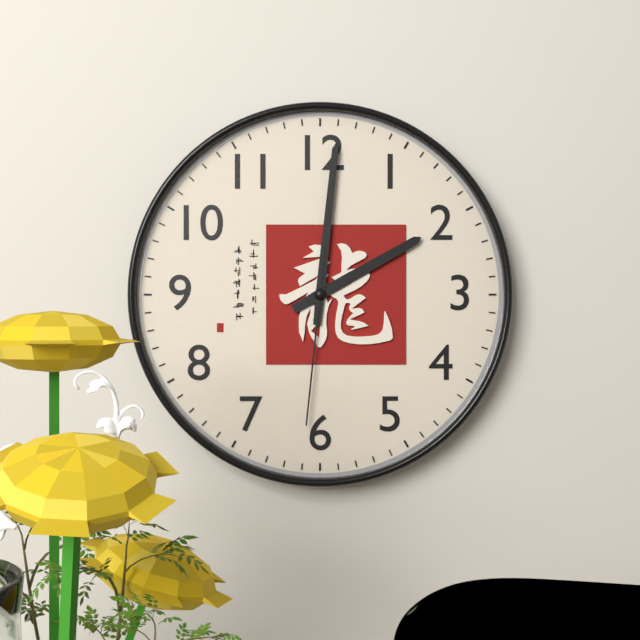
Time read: **2:01:31**
